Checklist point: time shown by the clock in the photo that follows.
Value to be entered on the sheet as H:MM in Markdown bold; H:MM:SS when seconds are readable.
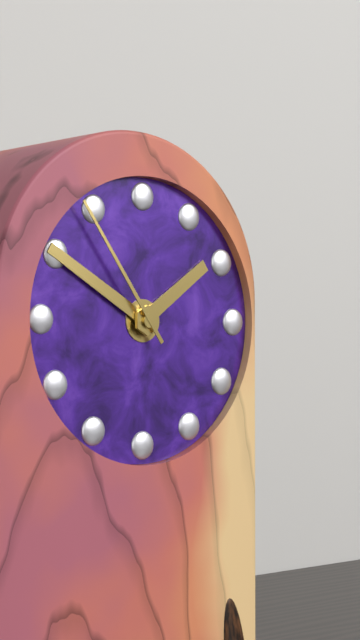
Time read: **1:50:54**
